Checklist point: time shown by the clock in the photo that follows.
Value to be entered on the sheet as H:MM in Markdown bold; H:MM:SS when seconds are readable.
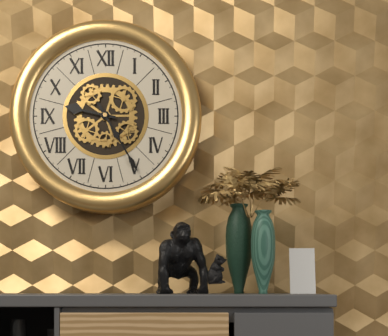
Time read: **9:25**
